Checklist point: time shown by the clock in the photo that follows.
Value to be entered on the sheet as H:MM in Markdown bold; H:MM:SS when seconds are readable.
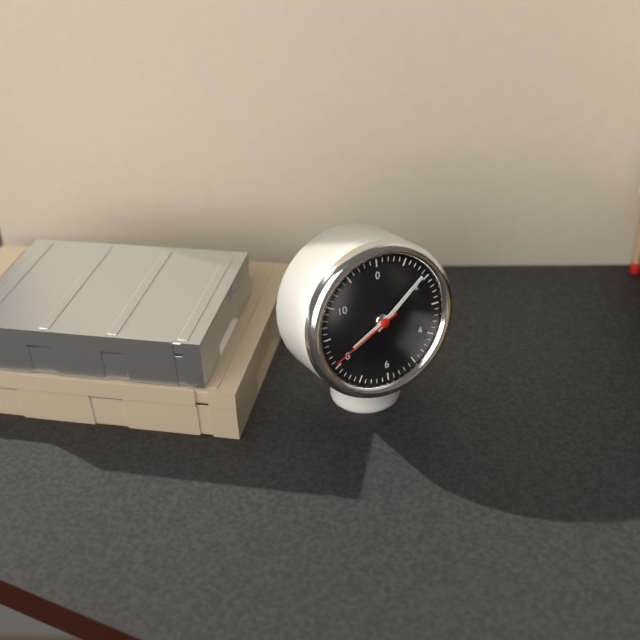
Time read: **8:09:41**
